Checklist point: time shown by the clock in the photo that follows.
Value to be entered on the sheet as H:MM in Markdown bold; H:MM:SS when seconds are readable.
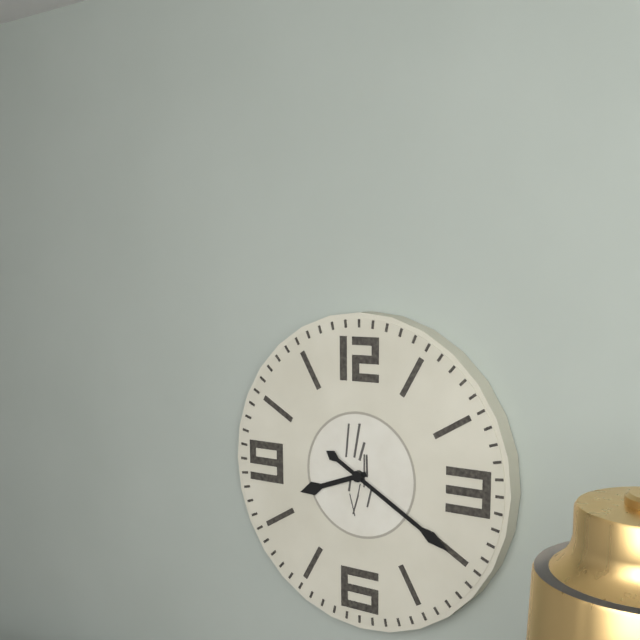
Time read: **8:20**
